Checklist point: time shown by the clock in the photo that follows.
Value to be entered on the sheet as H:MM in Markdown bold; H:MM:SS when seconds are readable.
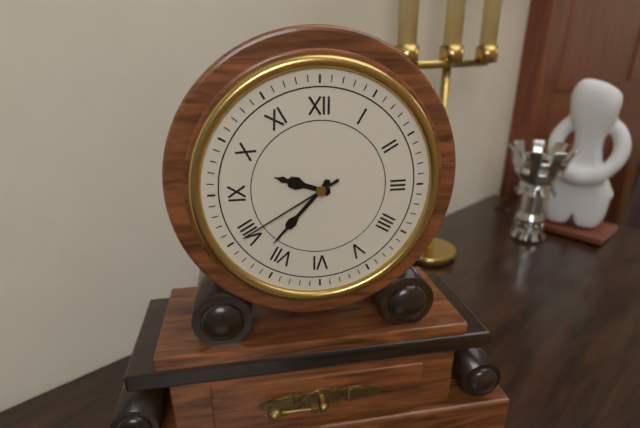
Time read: **9:37:40**
